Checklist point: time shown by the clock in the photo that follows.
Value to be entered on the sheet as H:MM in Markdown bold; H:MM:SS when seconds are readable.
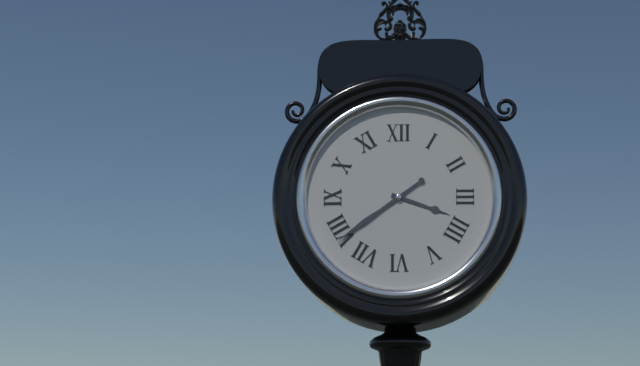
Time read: **3:39**
